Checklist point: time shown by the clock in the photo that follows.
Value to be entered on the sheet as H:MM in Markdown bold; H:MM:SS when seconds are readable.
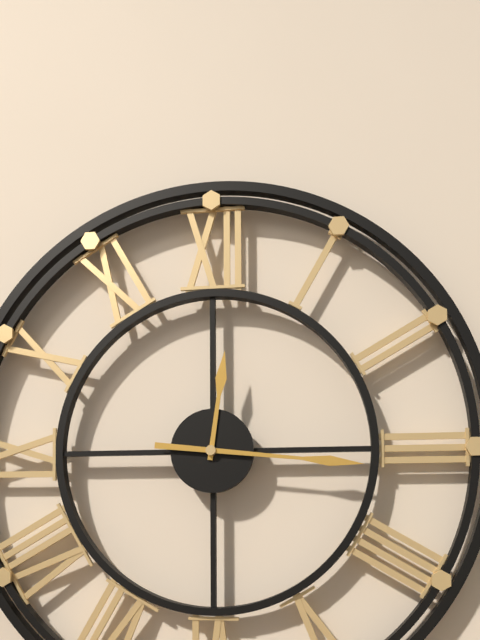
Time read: **12:16**
